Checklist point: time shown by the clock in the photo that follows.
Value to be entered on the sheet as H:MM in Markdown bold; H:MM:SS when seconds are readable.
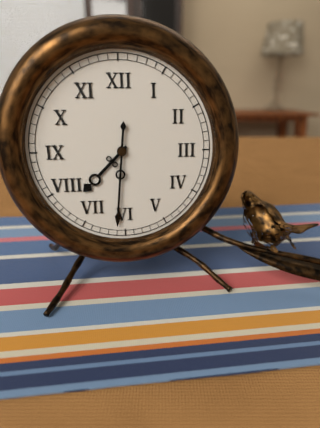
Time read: **7:31**
